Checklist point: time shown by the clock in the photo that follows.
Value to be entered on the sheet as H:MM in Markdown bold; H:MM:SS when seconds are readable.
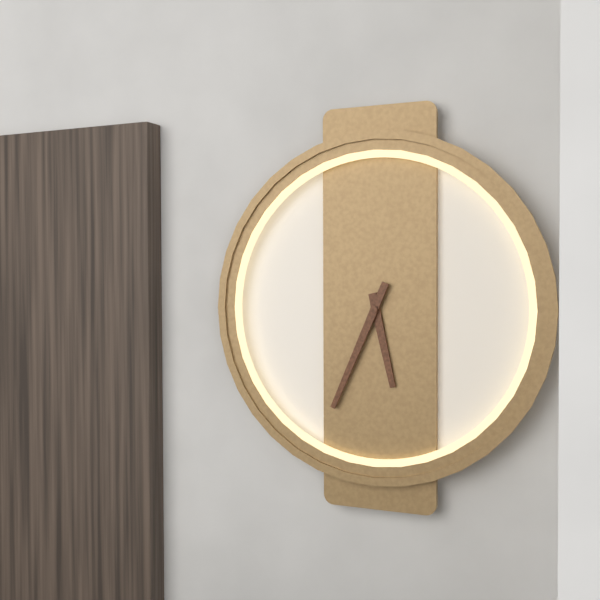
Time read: **5:34**
